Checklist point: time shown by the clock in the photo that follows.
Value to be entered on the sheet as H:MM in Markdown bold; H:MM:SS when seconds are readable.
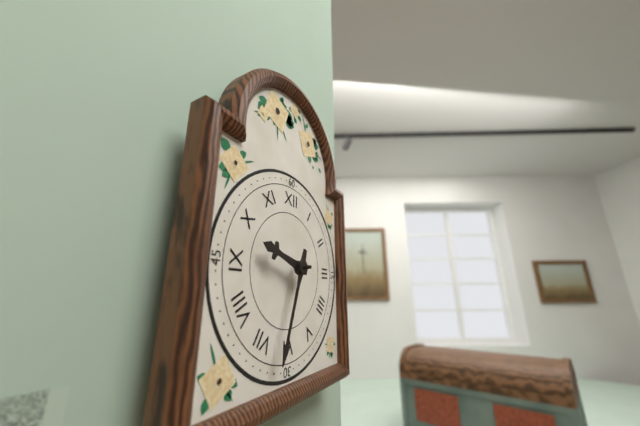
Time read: **9:33**
